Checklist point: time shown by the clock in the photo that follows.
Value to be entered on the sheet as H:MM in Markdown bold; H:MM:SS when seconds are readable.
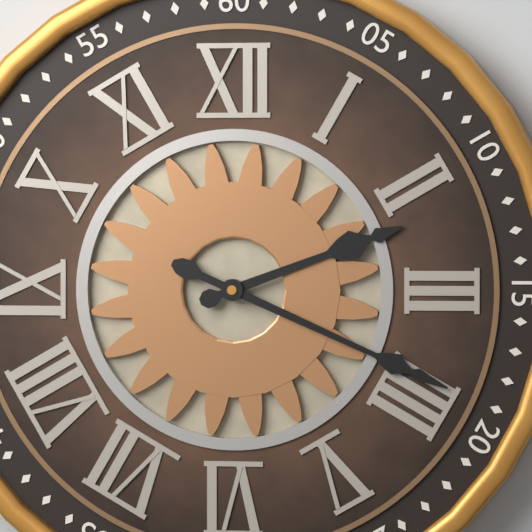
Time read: **2:19**
